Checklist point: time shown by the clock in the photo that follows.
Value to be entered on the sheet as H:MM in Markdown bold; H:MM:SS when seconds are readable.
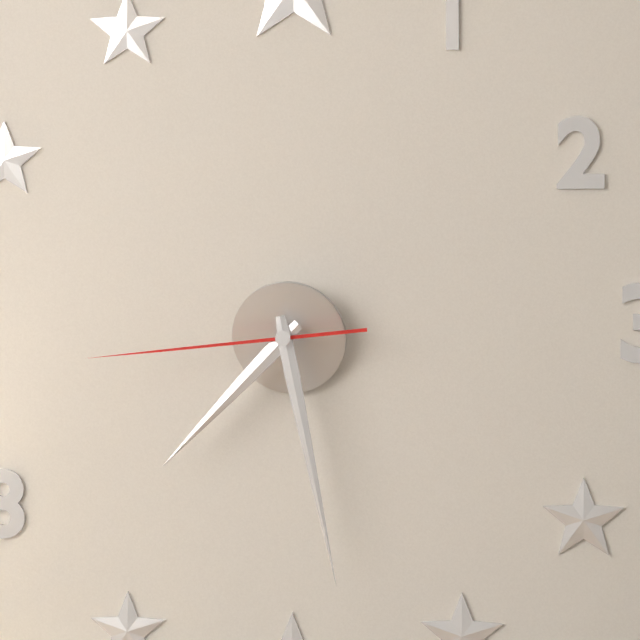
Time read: **7:28:44**
